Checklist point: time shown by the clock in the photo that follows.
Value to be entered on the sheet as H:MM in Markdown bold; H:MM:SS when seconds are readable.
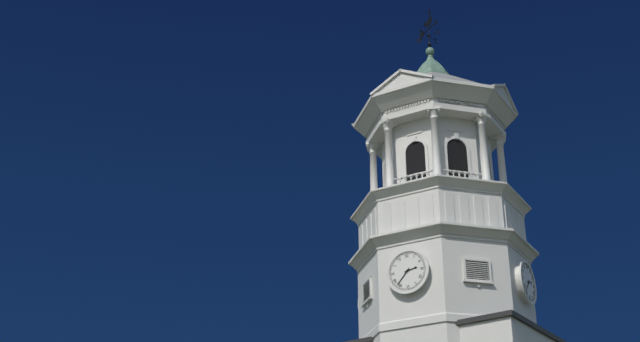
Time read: **2:37**
